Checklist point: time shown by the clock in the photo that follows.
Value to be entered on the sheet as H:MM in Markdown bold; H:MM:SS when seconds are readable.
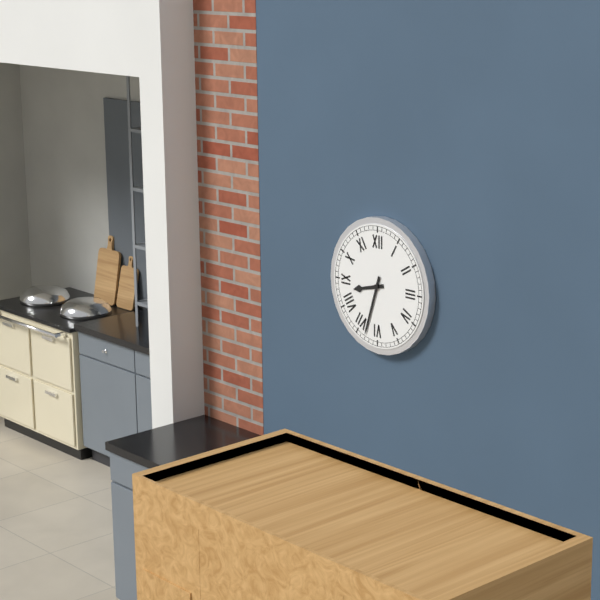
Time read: **8:33**
